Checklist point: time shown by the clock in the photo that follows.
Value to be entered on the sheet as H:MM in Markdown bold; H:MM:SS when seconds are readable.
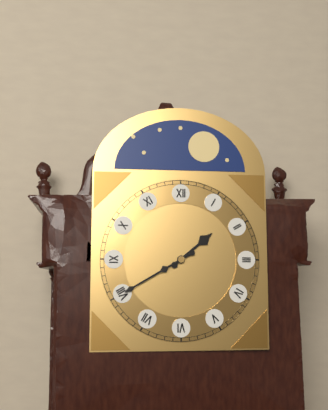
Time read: **1:40**
